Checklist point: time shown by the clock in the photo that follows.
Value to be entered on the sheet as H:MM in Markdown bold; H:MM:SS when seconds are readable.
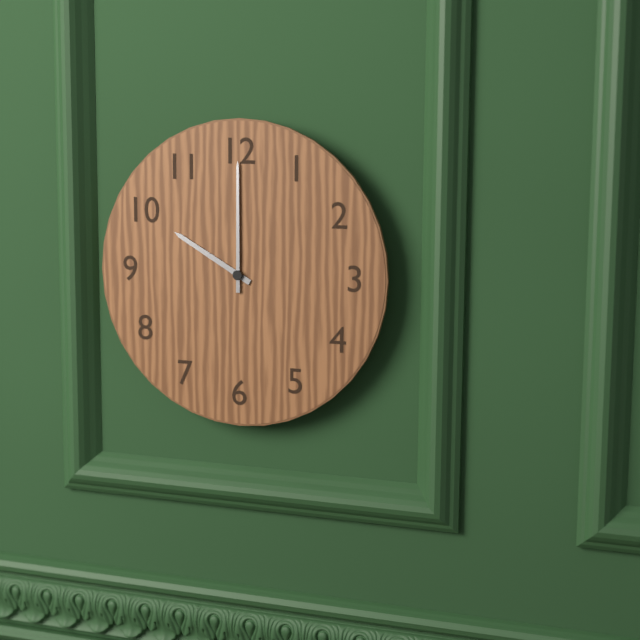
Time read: **10:00**
